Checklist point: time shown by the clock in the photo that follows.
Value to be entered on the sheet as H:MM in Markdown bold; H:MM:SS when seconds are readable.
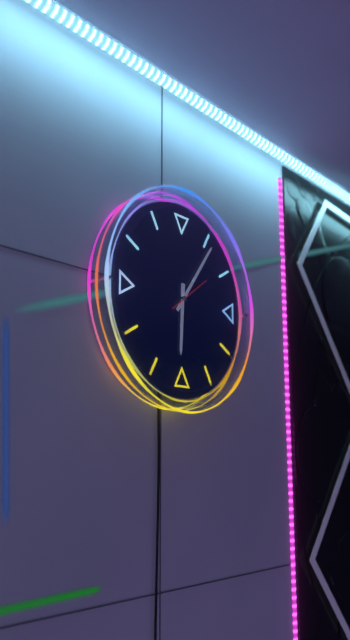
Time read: **6:06**
